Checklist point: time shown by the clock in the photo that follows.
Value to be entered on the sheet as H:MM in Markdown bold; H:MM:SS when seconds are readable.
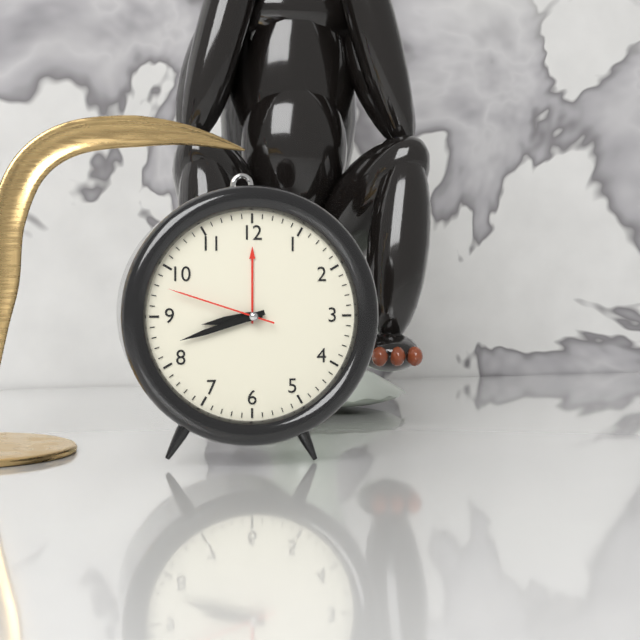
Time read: **8:42:48**
